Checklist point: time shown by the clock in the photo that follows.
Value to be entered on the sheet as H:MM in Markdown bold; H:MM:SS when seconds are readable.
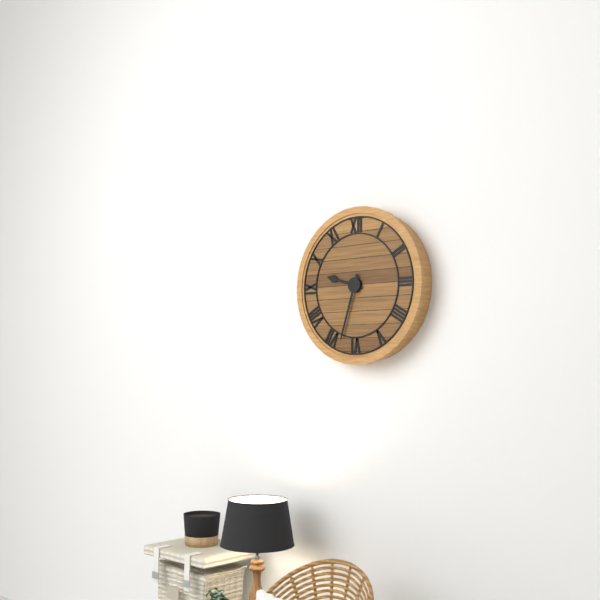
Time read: **9:33**
